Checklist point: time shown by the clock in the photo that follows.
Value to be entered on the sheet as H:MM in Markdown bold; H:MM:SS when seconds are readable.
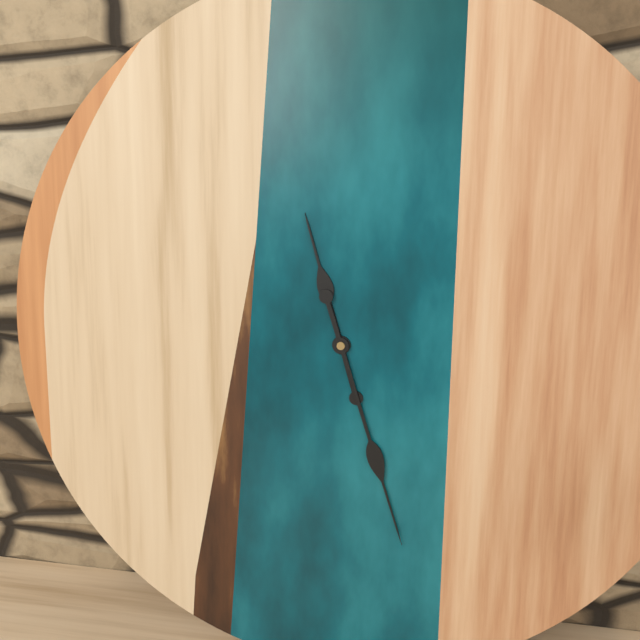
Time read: **11:27**
